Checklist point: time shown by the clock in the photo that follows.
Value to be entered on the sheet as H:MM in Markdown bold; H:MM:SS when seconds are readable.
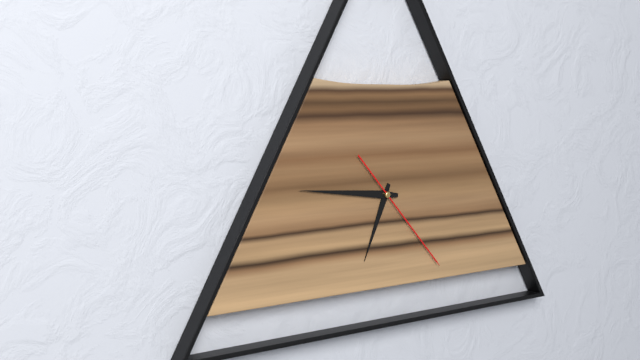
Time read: **6:46:23**
